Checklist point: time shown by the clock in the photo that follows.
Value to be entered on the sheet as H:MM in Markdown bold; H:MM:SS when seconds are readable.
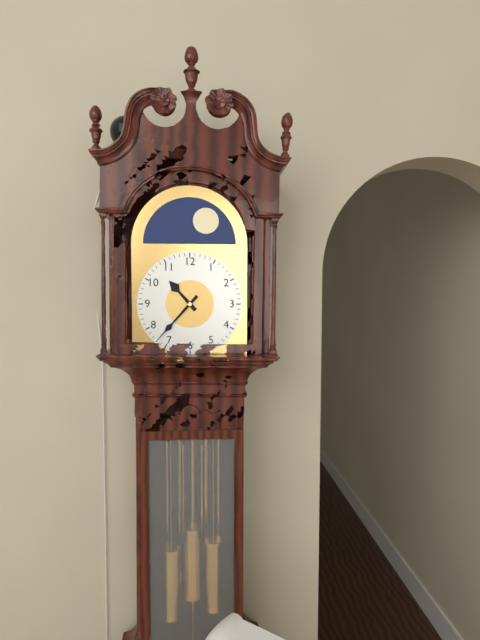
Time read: **10:37**
